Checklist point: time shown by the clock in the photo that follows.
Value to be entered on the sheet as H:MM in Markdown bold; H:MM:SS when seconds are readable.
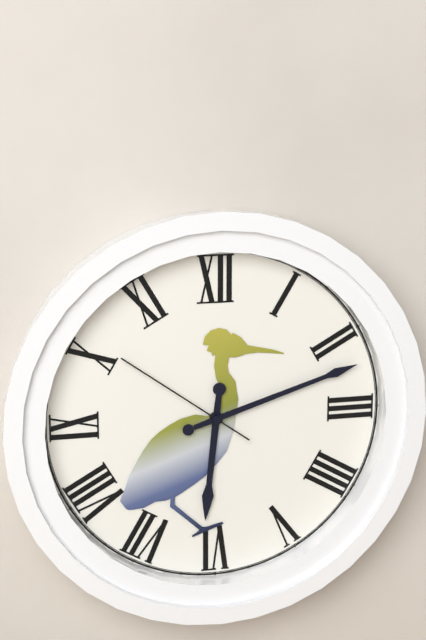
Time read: **6:12:51**
